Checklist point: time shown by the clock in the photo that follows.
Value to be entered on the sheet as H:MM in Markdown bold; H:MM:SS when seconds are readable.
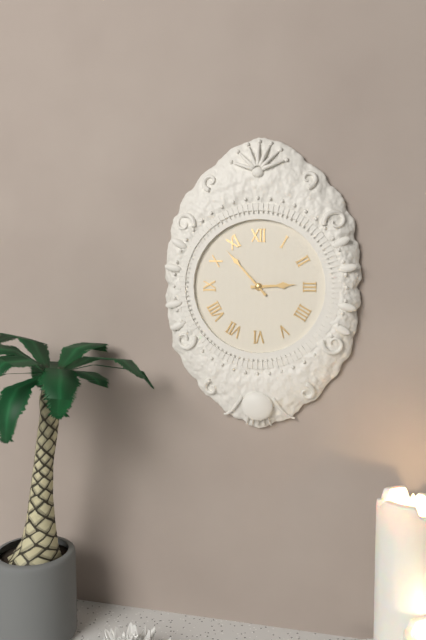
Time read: **2:53**
